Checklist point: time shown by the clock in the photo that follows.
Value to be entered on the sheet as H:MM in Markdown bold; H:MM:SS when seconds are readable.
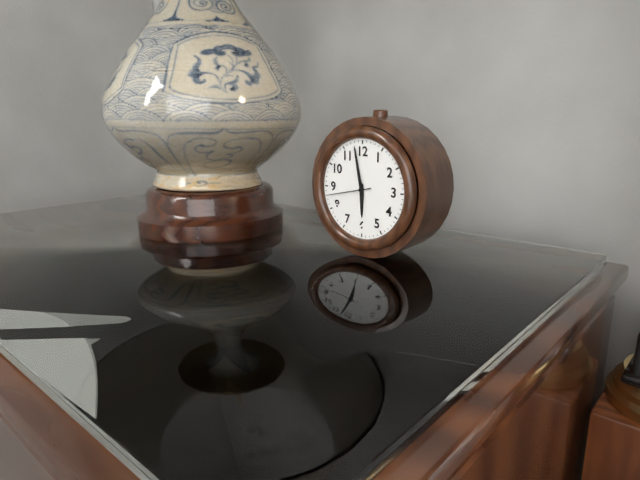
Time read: **5:58**
